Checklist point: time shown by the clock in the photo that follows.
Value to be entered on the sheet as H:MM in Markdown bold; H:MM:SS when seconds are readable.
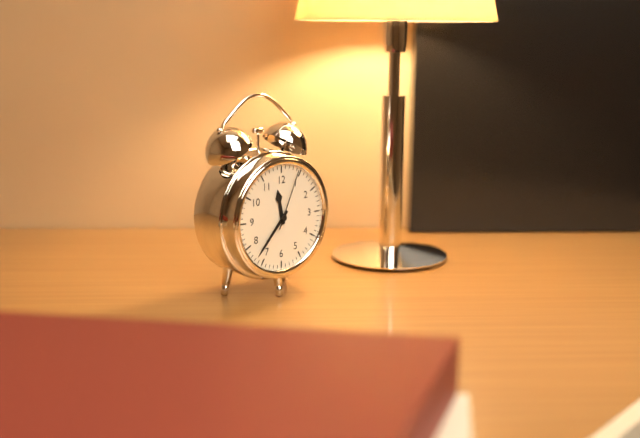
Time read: **11:37:04**
